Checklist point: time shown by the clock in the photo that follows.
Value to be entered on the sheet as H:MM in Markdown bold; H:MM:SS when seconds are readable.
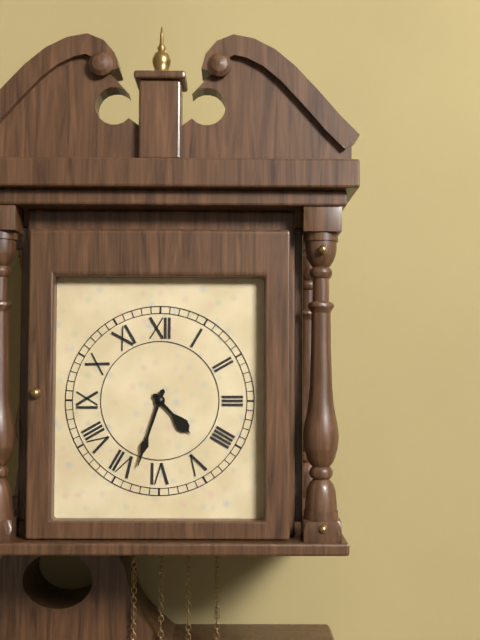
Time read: **4:33**
